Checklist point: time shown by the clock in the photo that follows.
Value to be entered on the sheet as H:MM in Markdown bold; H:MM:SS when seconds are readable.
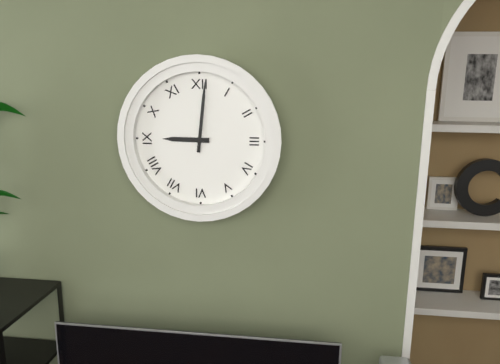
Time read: **9:01**
